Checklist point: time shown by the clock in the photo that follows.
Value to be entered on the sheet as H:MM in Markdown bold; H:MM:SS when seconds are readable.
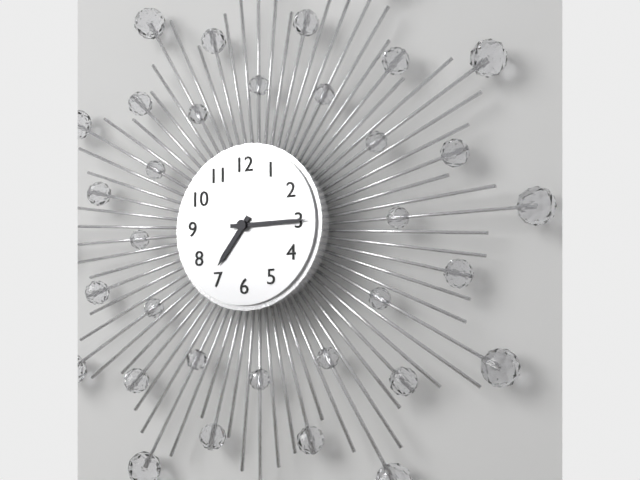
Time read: **7:15**
